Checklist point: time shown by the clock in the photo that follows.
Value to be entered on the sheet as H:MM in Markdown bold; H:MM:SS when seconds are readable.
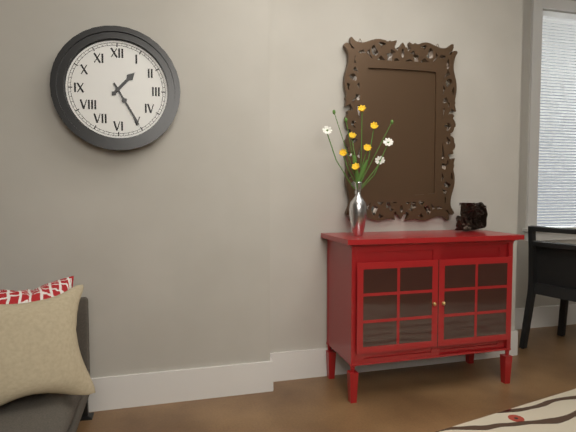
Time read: **1:25**
